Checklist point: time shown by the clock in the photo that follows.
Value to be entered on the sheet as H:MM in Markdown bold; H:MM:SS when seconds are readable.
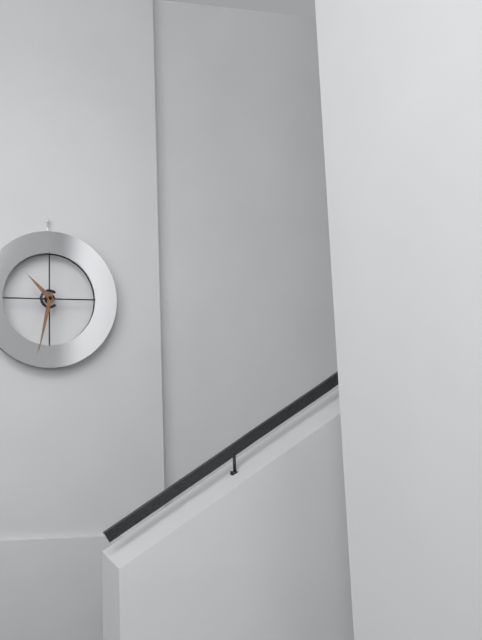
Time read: **10:32**
